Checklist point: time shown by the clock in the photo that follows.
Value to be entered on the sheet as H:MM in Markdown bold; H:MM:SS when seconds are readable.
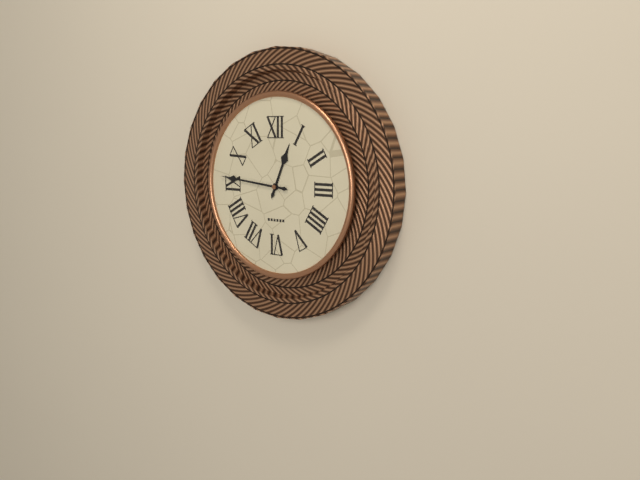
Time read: **12:46**
